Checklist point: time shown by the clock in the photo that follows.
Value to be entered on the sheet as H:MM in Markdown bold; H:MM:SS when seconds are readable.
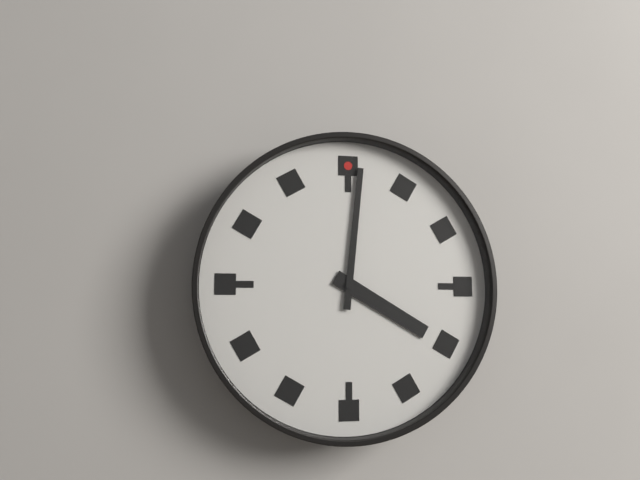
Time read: **4:01**
